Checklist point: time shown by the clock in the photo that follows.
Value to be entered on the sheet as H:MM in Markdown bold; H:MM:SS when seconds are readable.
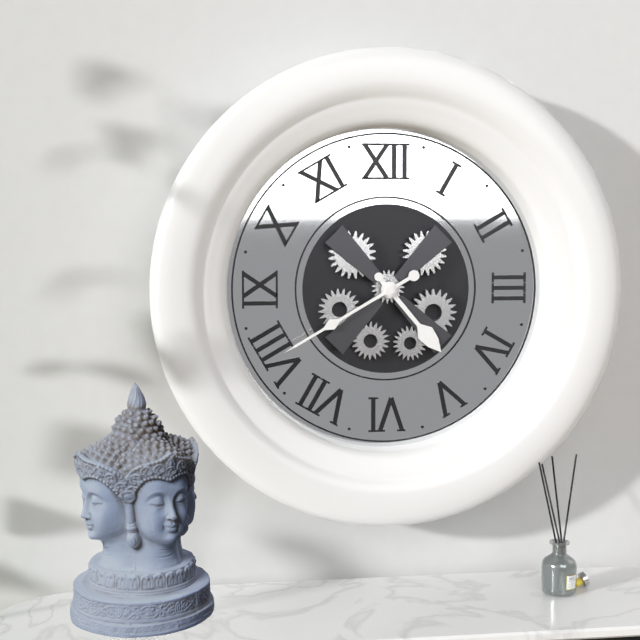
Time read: **4:40**
